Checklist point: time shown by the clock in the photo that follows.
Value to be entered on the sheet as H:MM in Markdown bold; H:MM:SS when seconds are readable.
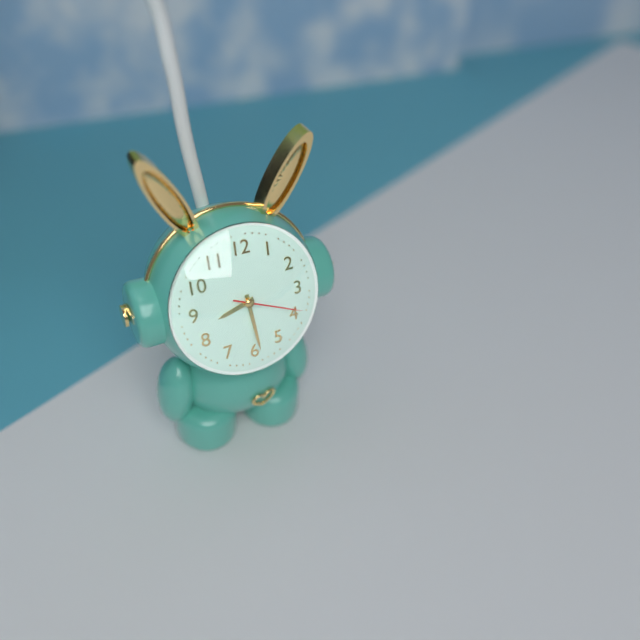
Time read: **8:29:19**
